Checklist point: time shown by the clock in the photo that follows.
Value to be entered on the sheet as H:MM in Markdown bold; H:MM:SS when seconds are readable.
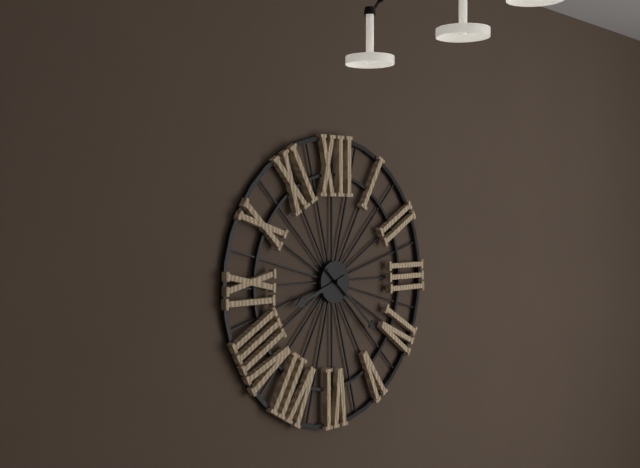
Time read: **8:22**
